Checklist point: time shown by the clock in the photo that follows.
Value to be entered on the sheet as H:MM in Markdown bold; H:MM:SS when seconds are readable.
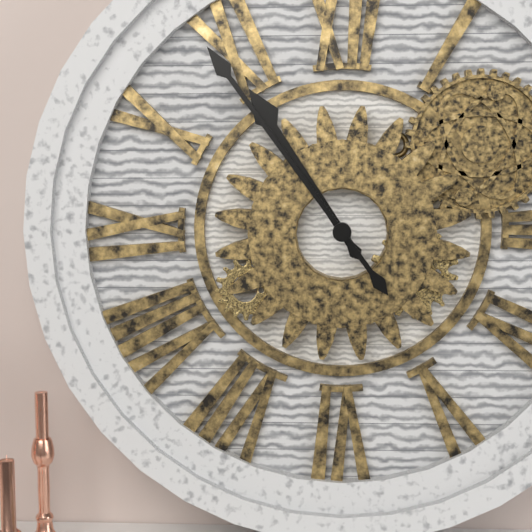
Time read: **10:54**
